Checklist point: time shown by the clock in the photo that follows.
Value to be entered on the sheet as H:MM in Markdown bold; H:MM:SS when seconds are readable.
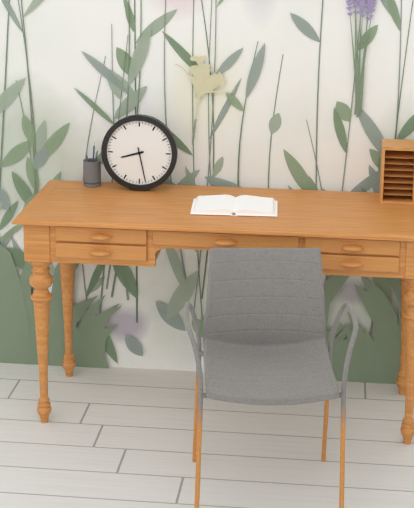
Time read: **8:28**
